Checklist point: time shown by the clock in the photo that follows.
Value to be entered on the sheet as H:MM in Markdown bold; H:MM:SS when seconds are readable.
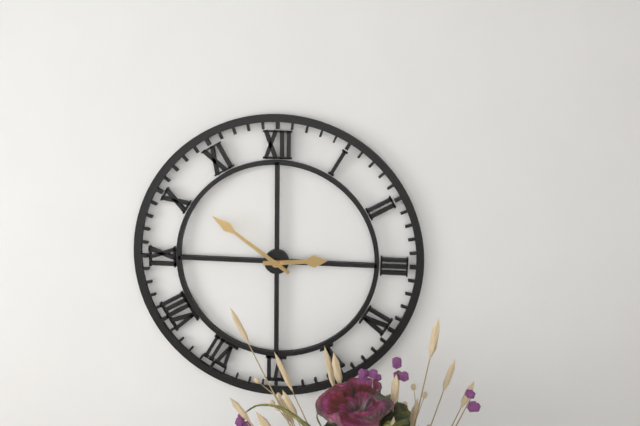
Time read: **2:51**
